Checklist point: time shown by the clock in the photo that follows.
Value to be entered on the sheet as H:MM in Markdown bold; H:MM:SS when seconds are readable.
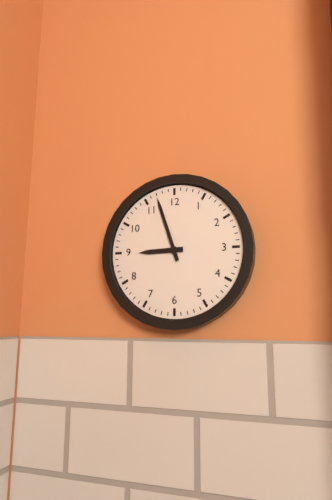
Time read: **8:57**
